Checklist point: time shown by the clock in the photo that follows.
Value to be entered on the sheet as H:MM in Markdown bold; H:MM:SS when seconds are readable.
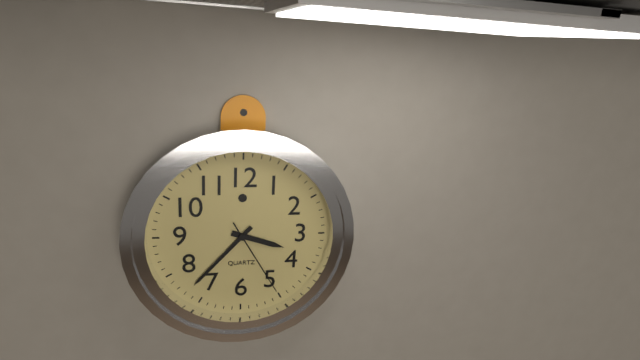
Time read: **3:37:25**
